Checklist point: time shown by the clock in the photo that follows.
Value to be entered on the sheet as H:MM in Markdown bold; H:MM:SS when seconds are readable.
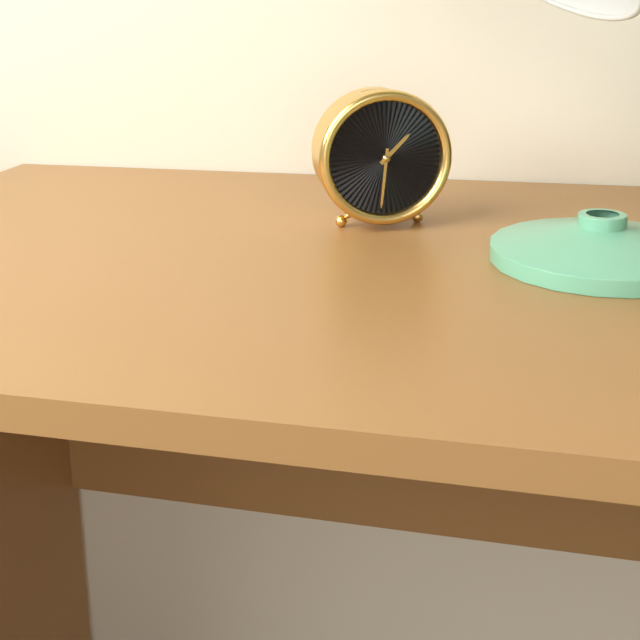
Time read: **1:31**
